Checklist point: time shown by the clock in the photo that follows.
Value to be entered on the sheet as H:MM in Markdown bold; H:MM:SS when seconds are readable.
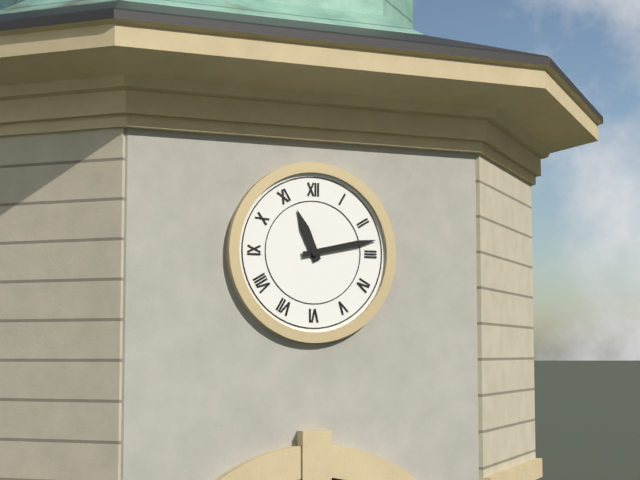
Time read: **11:13**
